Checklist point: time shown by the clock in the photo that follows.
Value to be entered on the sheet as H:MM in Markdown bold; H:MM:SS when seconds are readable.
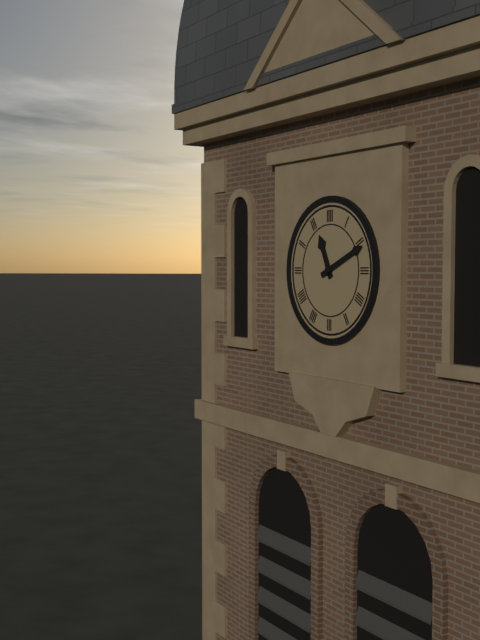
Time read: **11:11**
